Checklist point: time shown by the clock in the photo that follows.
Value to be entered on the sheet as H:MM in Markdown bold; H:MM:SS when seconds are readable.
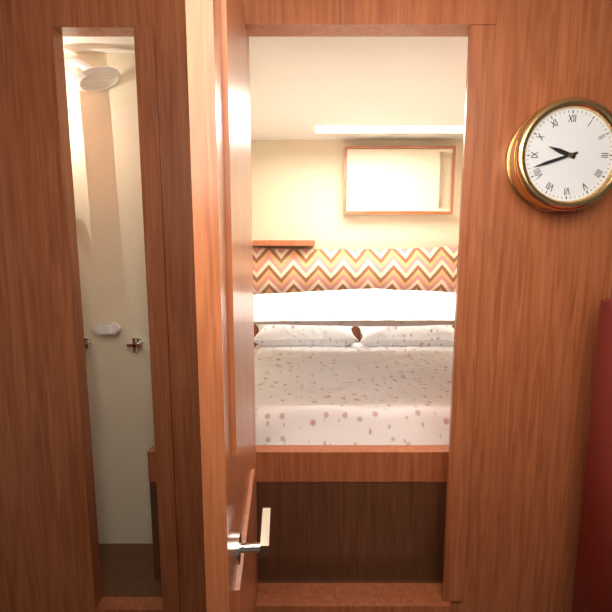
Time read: **9:42**
